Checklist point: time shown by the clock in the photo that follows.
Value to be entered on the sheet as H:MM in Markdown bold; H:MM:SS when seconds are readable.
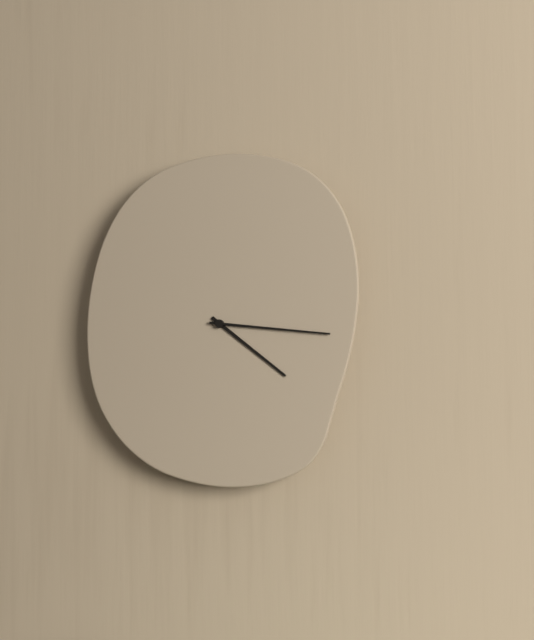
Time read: **4:16**
